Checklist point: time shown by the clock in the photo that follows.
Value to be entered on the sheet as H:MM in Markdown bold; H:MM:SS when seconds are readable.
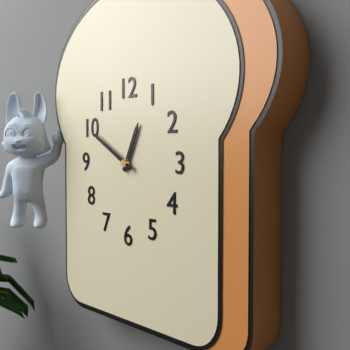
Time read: **12:50**
